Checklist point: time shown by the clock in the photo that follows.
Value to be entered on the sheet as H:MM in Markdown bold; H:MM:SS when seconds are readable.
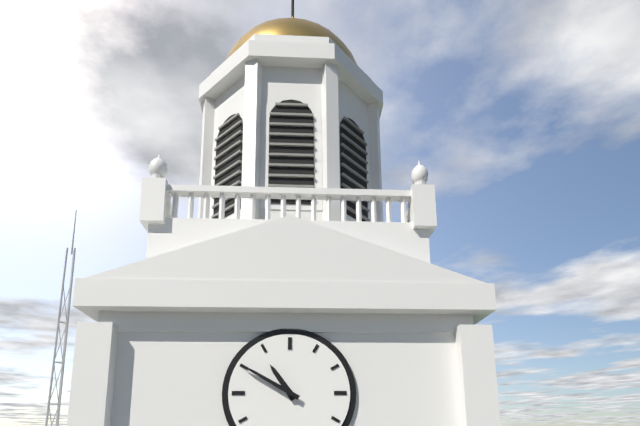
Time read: **10:50**
